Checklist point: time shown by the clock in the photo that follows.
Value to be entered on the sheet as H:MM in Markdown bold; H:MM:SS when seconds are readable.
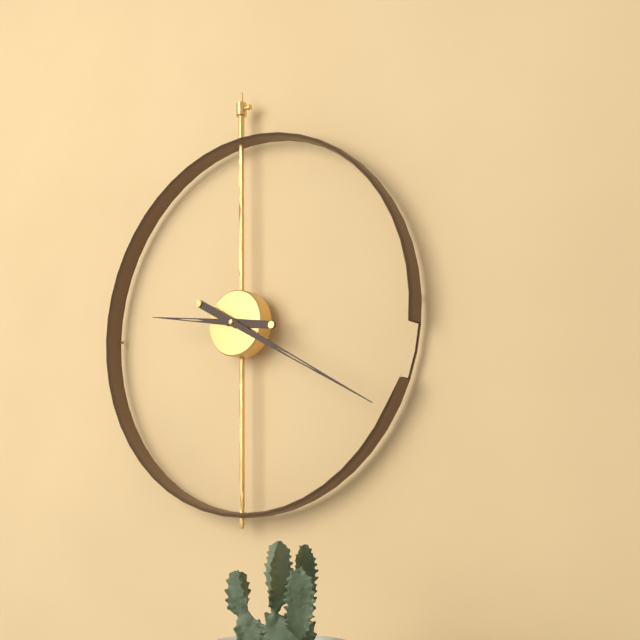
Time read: **9:20**
